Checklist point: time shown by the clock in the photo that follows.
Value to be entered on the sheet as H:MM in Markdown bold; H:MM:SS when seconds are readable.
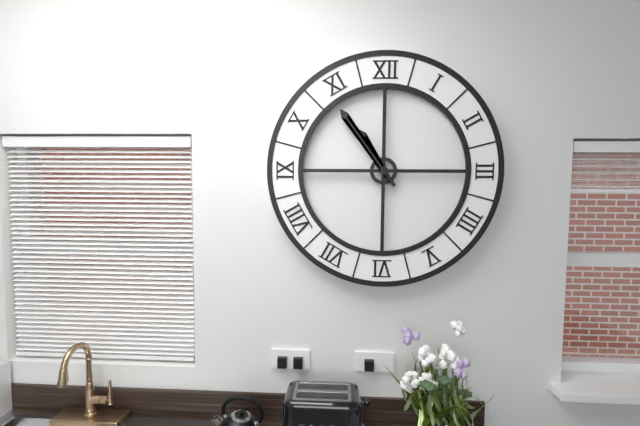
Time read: **10:54**
